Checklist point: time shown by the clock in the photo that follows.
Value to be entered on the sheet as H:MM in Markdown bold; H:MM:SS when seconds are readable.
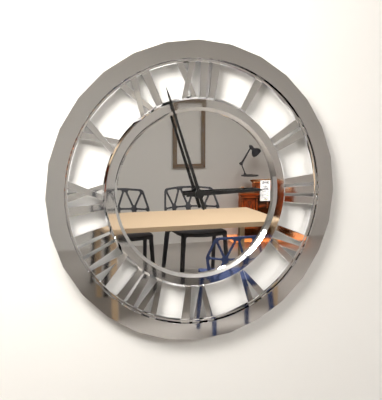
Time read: **2:57**
